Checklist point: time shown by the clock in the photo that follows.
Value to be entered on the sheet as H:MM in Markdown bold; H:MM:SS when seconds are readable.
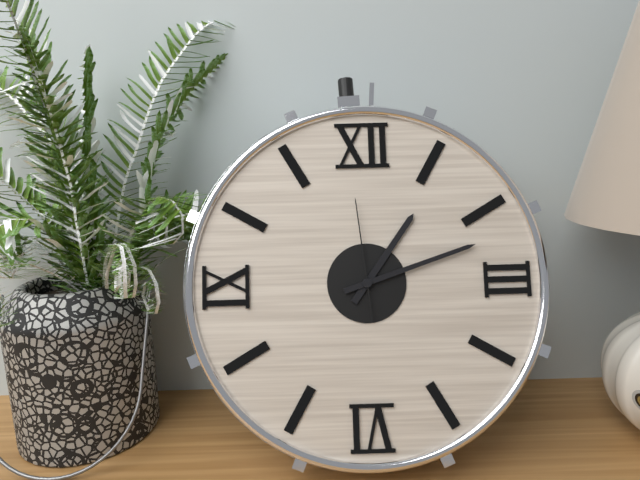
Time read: **1:12:59**
